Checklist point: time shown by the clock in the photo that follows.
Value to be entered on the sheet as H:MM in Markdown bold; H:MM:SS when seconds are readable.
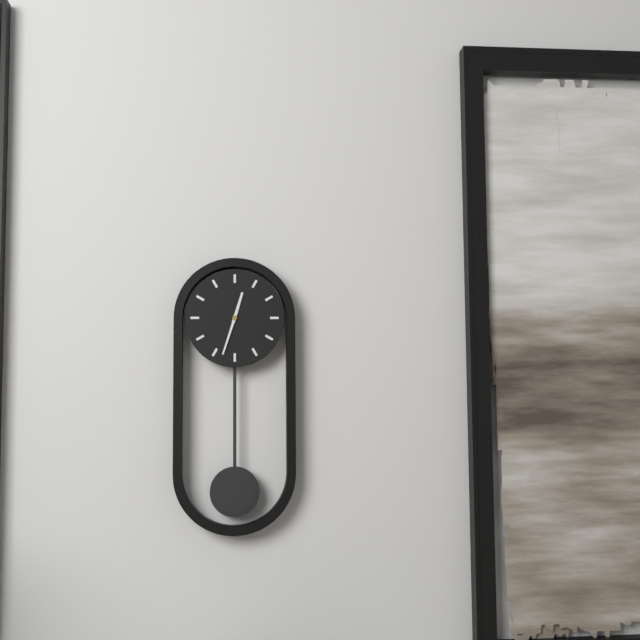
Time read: **12:33**
